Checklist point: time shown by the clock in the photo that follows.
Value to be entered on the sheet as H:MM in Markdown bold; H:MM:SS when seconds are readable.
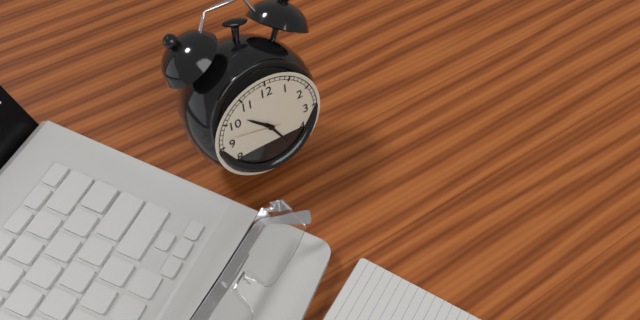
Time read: **10:25:47**
